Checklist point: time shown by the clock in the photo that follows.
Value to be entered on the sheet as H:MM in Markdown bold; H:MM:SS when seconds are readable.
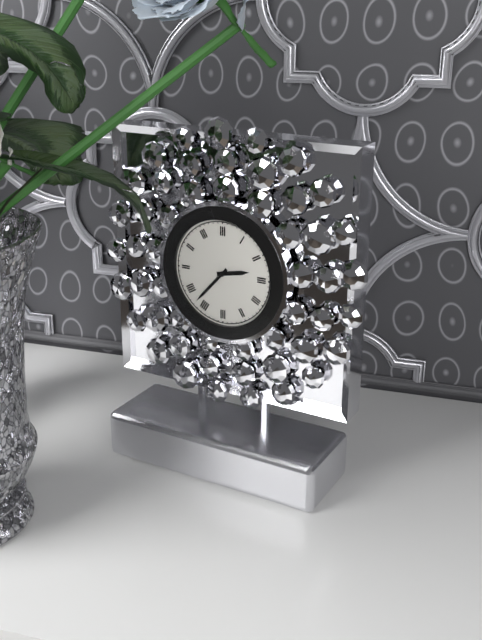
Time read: **2:37**
